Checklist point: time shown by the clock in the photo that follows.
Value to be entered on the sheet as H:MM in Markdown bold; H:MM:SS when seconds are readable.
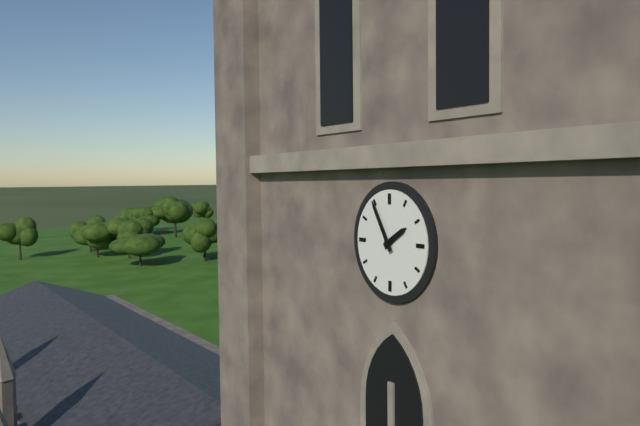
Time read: **1:55**
